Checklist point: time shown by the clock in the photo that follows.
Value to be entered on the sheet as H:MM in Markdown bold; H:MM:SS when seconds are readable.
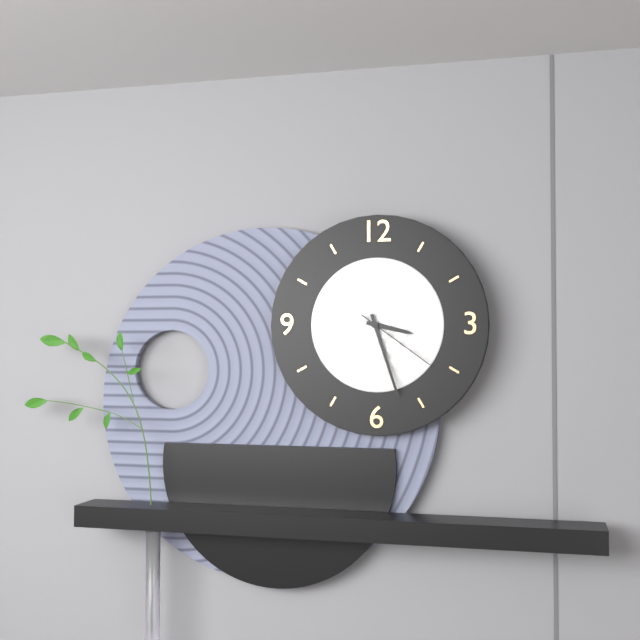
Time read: **3:27:21**
